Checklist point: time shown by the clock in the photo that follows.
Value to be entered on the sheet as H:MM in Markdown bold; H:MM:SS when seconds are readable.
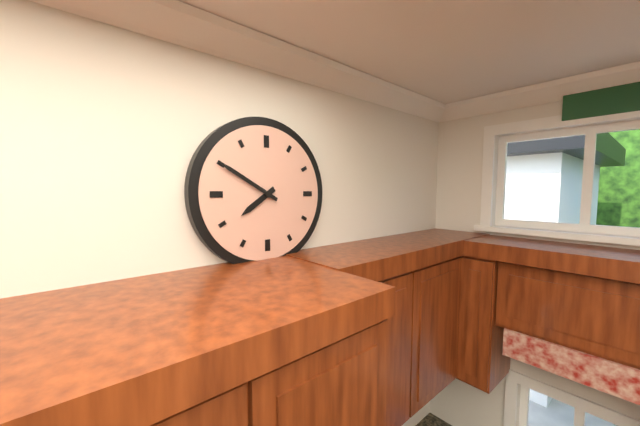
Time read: **7:50**
